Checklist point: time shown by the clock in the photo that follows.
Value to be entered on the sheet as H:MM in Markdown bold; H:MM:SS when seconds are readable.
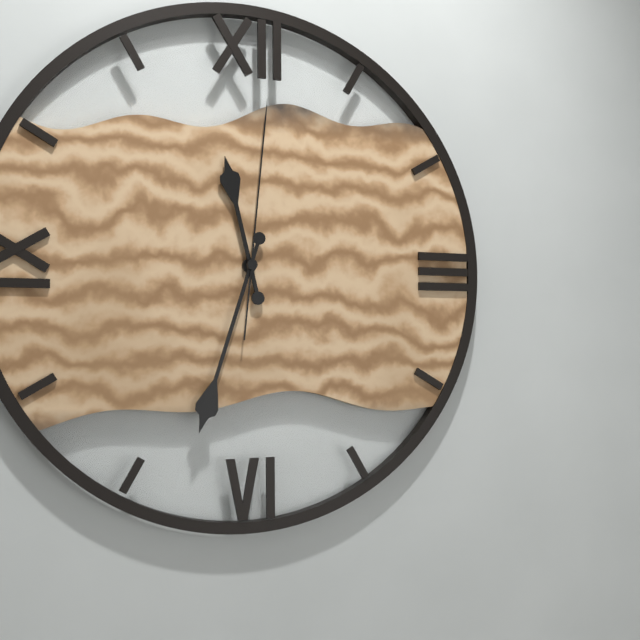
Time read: **11:33:01**
